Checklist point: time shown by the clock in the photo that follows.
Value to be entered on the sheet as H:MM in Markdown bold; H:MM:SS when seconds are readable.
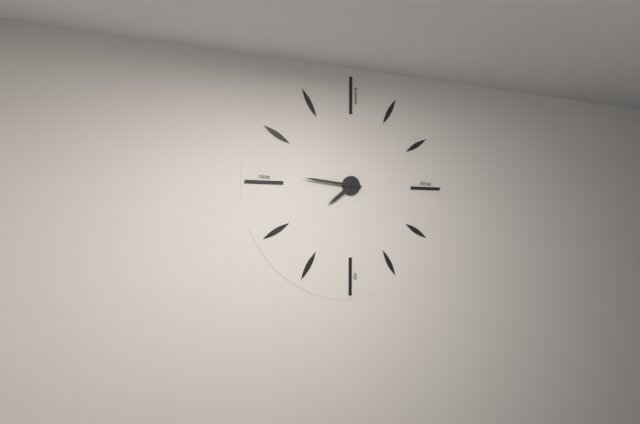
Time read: **7:46**
